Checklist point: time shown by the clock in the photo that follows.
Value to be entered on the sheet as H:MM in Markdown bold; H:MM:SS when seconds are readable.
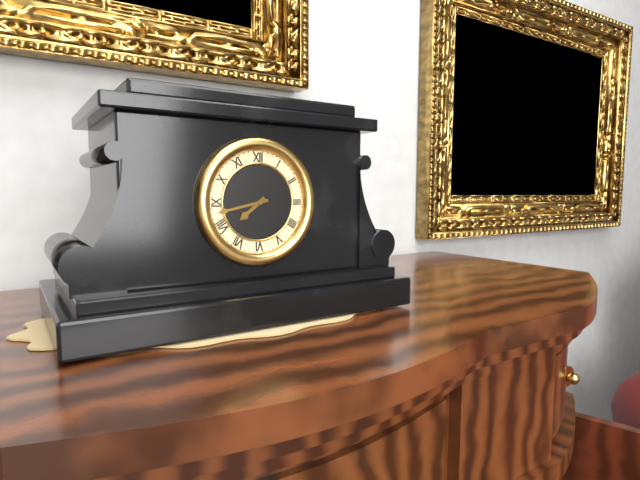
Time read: **7:43**
